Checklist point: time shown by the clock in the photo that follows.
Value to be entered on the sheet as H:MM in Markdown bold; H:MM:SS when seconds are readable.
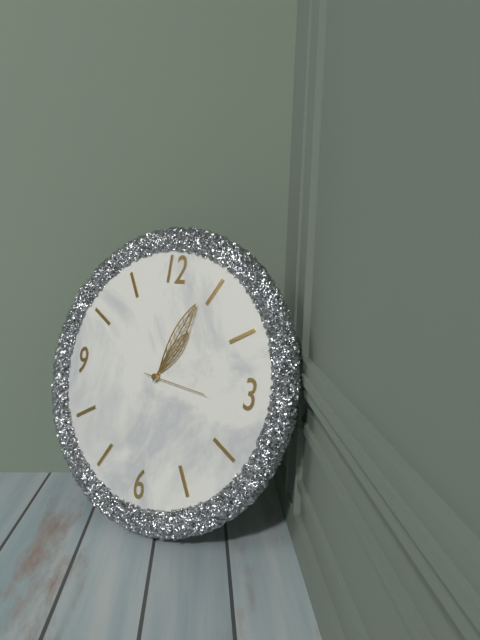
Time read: **1:04:16**
